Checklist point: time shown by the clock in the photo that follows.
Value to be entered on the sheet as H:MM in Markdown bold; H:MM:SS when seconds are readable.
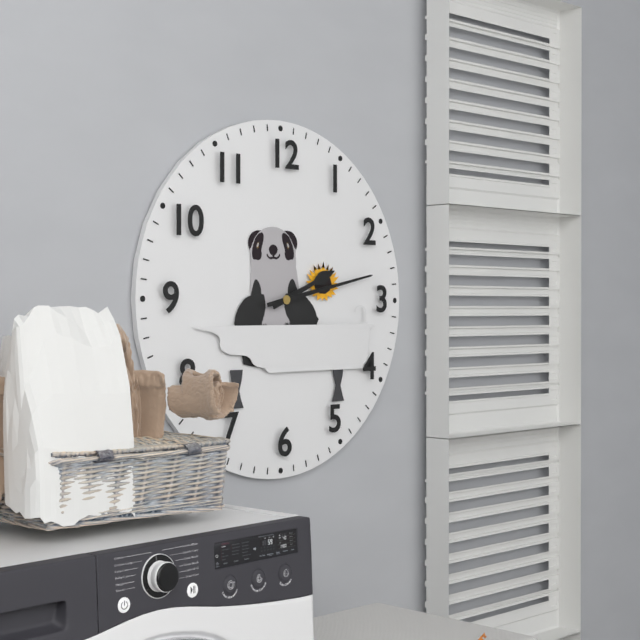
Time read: **2:13**
